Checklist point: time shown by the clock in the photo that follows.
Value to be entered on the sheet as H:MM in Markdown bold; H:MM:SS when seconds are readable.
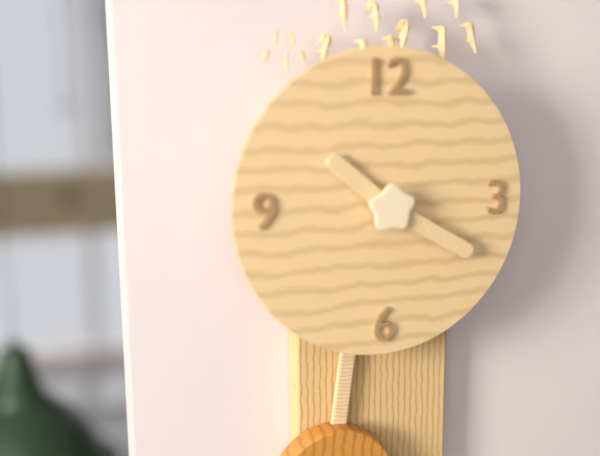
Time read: **10:20**
